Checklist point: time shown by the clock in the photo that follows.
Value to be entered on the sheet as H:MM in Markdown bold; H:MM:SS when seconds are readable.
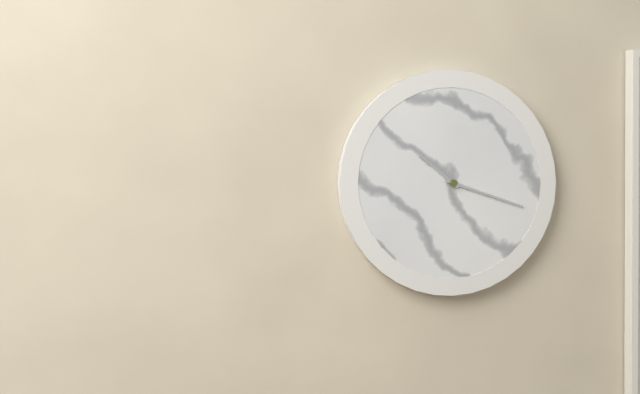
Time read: **10:18**
